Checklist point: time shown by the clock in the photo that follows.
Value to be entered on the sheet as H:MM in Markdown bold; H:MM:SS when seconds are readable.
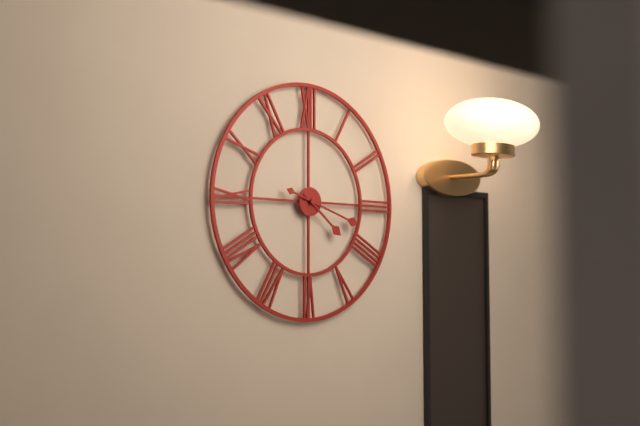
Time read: **4:18**
